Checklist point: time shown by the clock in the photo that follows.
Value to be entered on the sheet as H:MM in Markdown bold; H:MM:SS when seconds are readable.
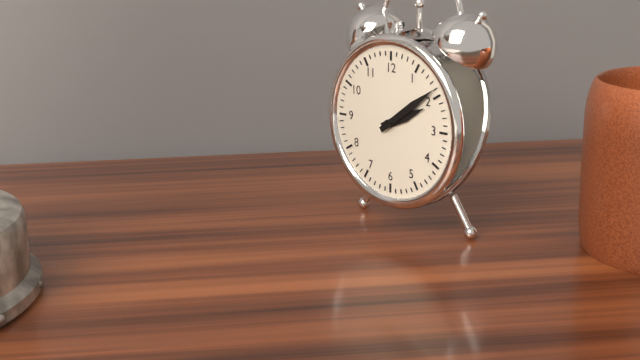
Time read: **2:09**
